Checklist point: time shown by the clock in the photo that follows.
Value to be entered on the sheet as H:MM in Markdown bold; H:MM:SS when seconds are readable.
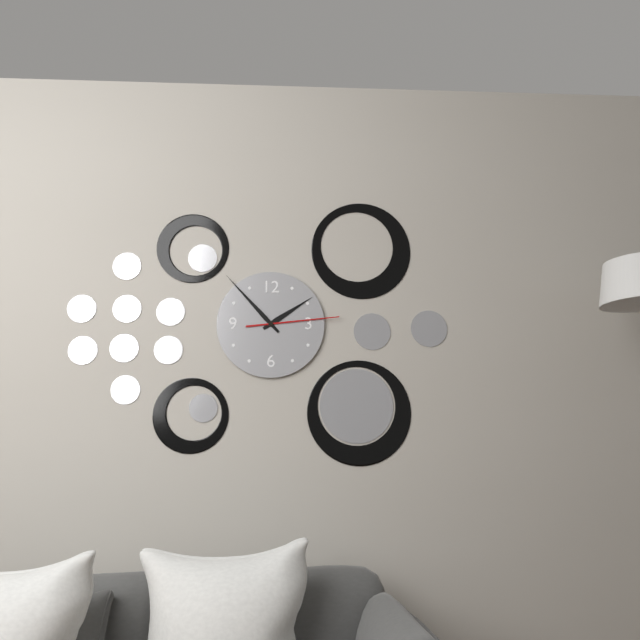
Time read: **1:53:14**
